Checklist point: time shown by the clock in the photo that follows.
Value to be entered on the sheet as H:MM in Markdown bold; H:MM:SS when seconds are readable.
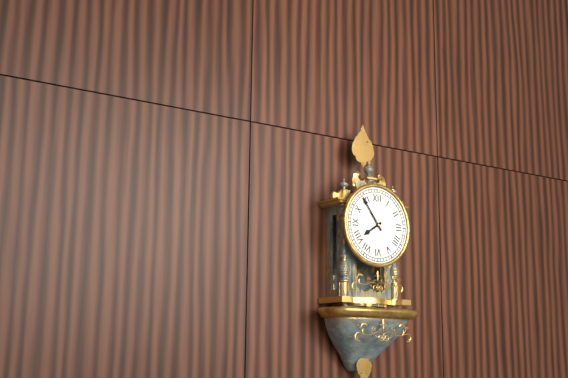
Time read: **7:54**
